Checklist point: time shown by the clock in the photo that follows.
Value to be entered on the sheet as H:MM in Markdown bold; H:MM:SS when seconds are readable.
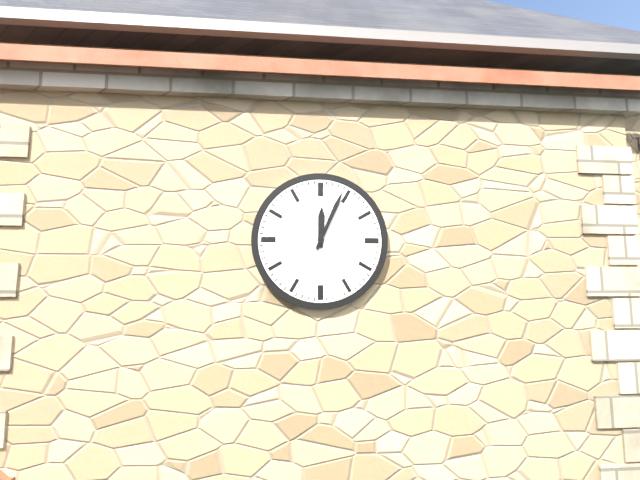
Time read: **12:04**
